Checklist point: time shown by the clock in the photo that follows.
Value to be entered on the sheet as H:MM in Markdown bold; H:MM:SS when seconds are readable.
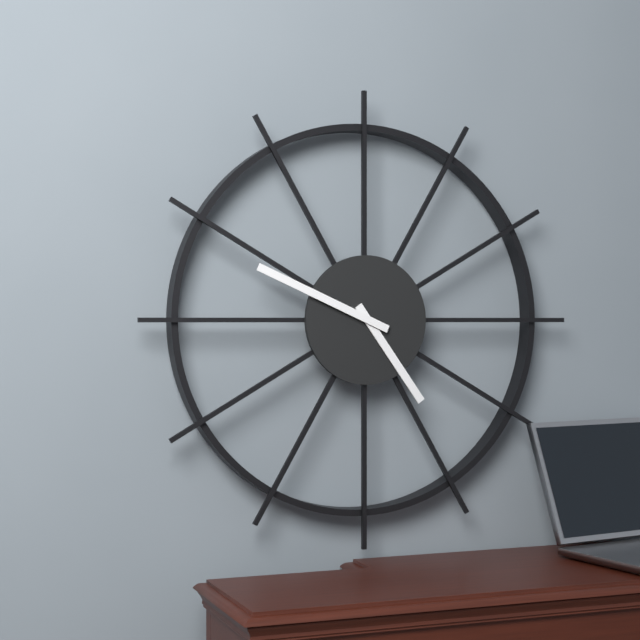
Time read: **4:49**
